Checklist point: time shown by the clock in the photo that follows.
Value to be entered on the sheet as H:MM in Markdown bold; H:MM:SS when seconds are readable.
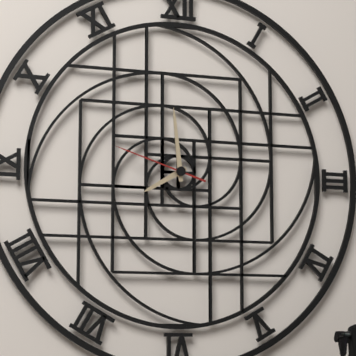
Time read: **7:59:48**
